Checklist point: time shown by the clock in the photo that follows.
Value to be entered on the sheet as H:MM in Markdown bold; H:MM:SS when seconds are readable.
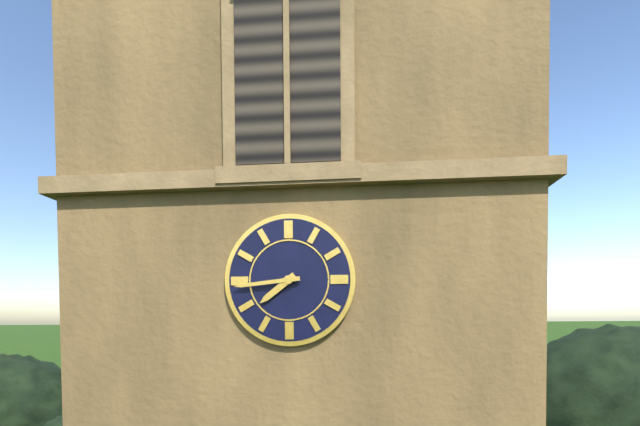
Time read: **7:44**
